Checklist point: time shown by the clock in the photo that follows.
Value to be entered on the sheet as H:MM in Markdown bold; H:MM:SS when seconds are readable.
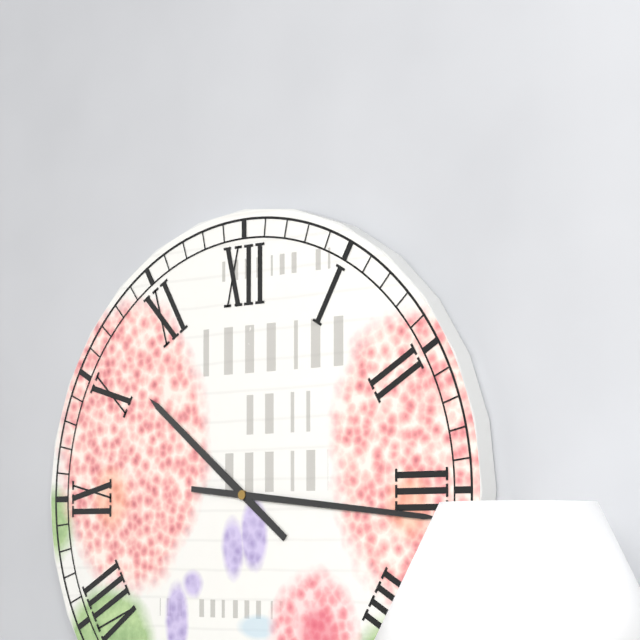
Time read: **10:16**
